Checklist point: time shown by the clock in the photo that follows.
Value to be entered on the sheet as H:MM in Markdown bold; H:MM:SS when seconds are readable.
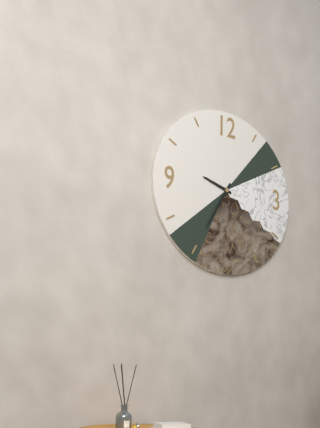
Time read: **9:35**
